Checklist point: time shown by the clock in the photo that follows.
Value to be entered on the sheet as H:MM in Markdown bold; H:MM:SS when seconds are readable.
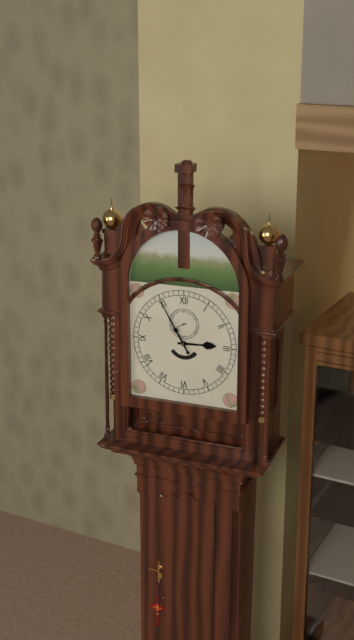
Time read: **2:55**
